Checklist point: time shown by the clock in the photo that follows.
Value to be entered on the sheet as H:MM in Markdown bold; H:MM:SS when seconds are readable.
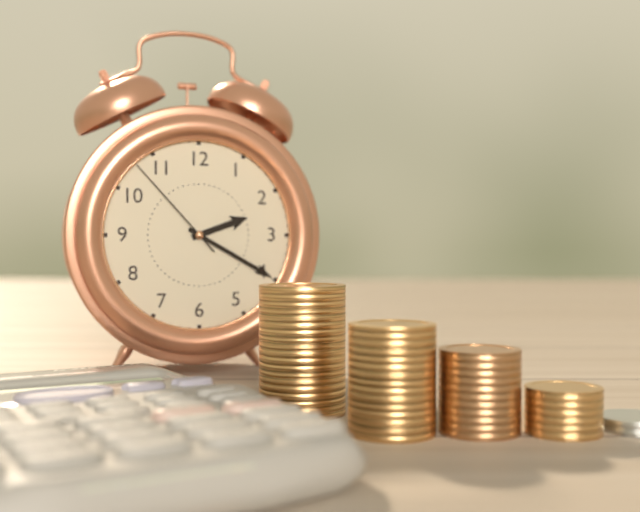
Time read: **2:20:53**
